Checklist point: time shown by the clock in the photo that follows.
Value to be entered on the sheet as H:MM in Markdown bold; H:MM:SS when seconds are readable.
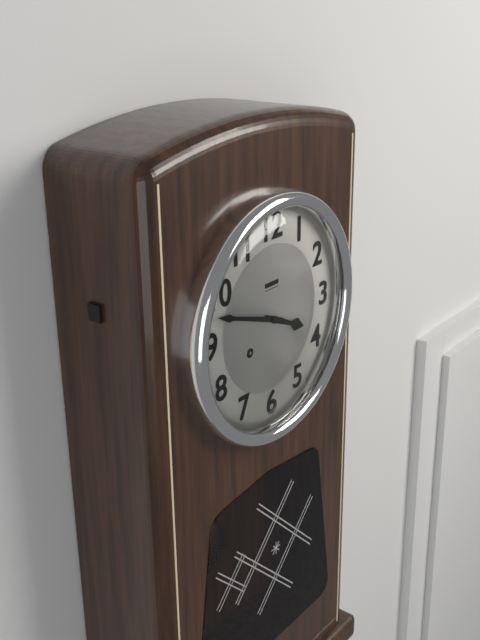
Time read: **3:48**
